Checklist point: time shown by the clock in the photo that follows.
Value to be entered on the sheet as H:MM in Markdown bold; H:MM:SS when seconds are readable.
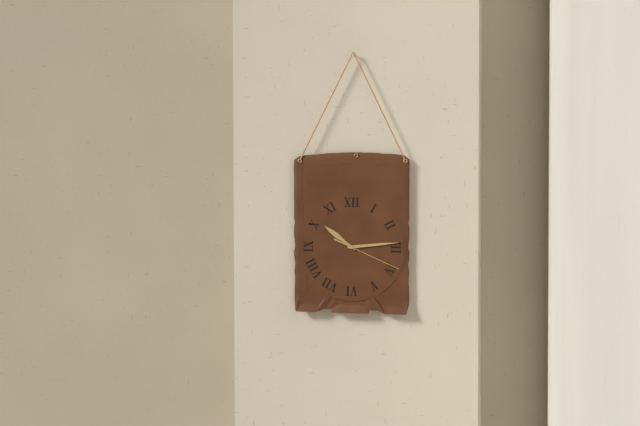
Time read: **10:14:19**
